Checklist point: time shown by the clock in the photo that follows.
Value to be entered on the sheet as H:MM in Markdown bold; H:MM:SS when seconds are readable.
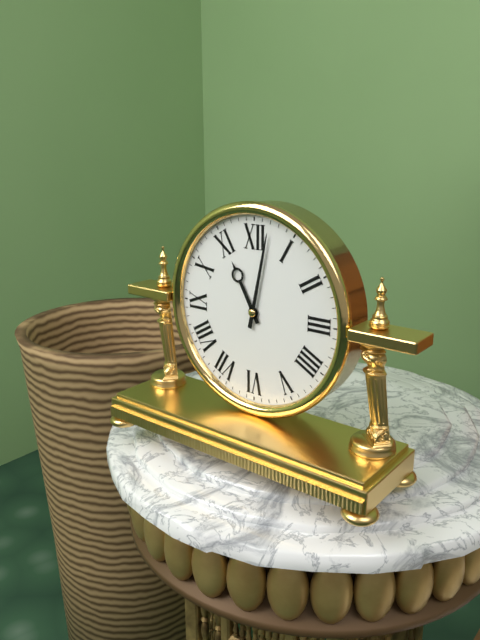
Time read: **11:02**
